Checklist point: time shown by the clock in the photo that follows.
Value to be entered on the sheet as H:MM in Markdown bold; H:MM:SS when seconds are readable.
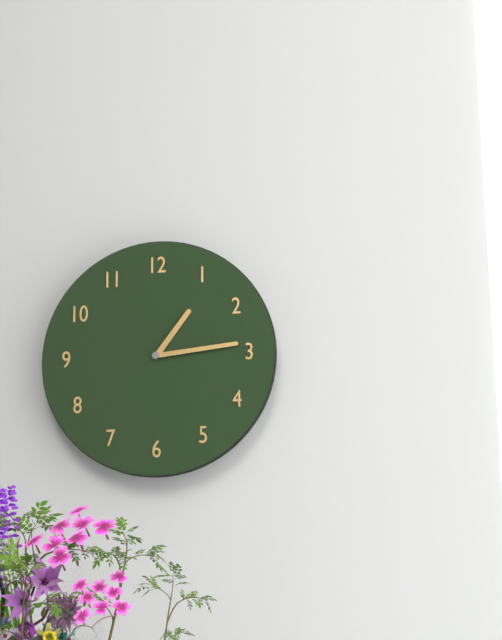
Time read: **1:14**
